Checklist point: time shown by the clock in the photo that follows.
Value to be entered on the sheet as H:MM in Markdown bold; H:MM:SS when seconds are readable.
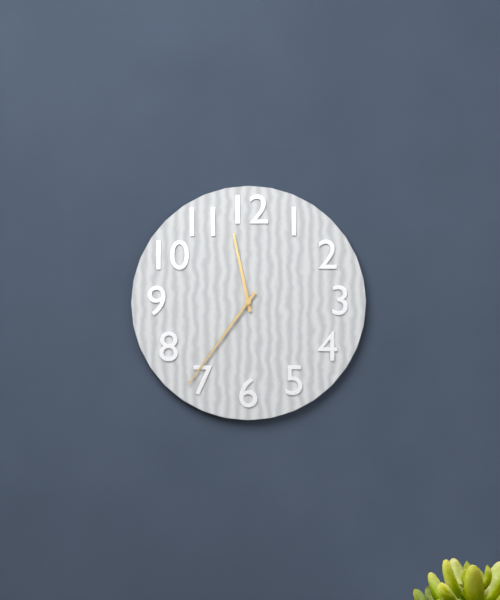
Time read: **11:36**
